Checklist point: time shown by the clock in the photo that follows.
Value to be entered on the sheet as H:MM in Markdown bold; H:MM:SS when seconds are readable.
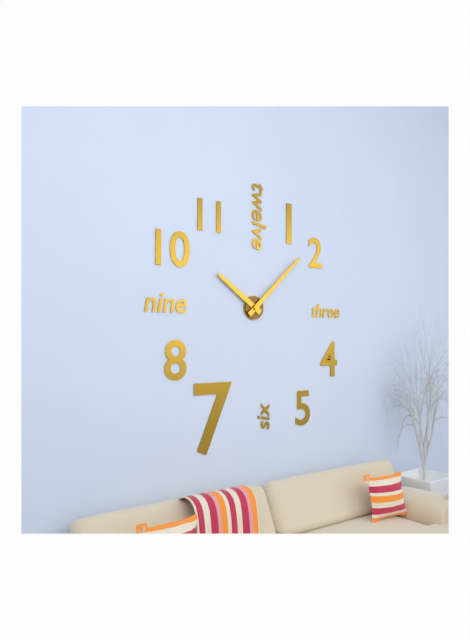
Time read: **10:08**
